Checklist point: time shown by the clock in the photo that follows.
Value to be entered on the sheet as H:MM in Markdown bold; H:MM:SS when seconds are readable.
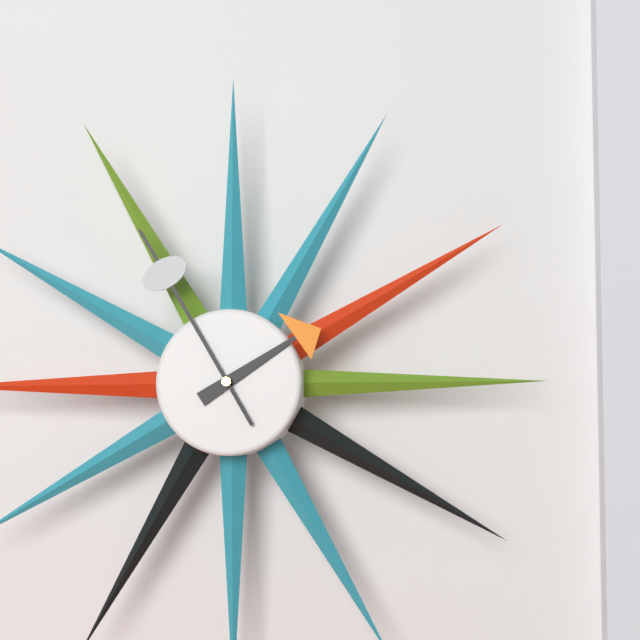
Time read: **1:55**
